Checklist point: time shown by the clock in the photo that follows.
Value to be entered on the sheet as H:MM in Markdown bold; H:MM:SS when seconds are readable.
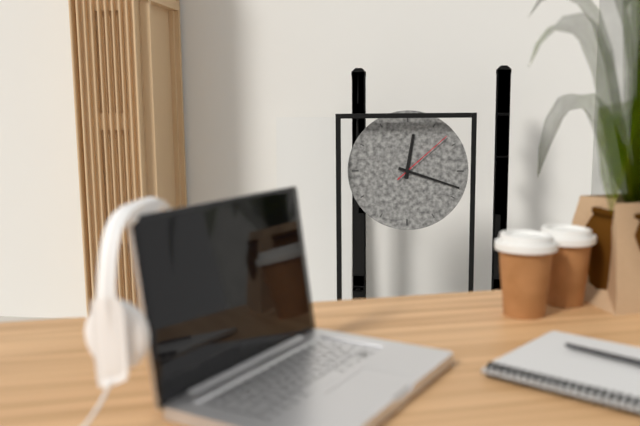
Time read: **12:18:08**
